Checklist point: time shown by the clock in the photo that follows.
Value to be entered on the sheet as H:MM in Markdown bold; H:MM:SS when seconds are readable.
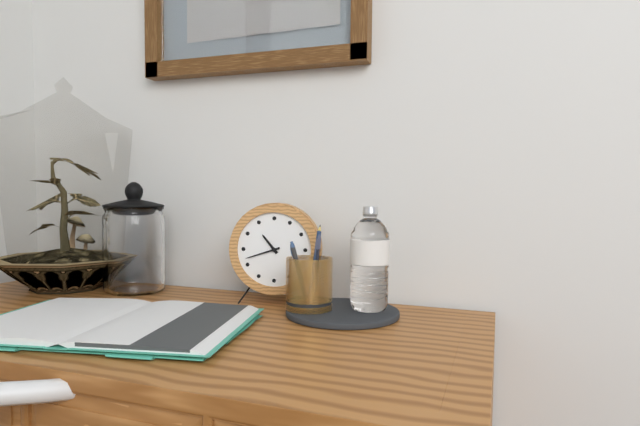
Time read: **10:42**
